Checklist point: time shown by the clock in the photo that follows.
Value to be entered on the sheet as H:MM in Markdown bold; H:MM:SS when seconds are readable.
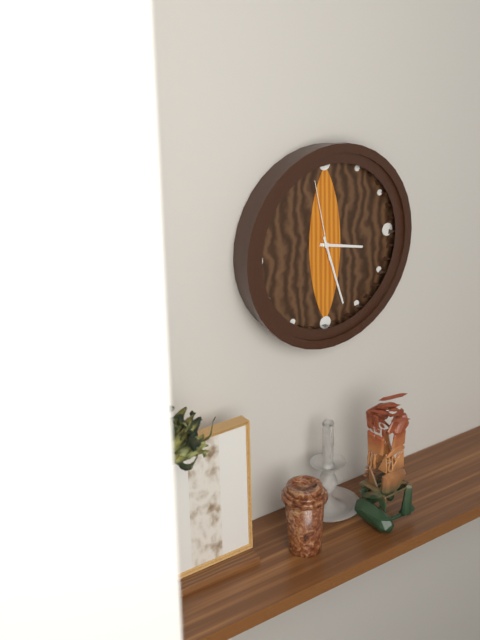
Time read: **3:27:58**
